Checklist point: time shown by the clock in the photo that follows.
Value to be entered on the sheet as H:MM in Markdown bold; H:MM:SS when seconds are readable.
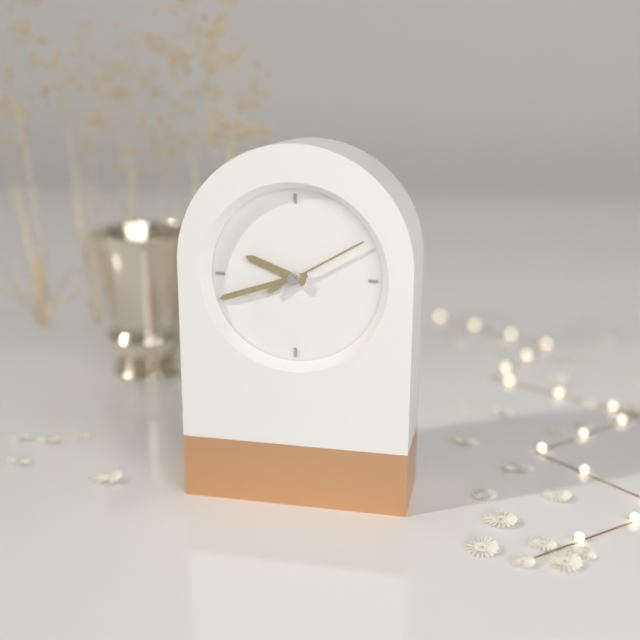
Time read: **9:42:10**
